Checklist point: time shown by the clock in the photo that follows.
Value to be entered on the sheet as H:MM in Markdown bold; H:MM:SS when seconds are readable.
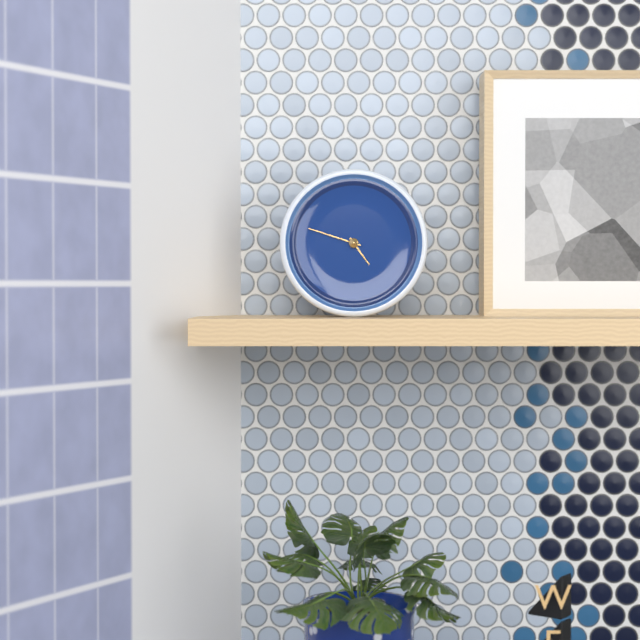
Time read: **4:48**
